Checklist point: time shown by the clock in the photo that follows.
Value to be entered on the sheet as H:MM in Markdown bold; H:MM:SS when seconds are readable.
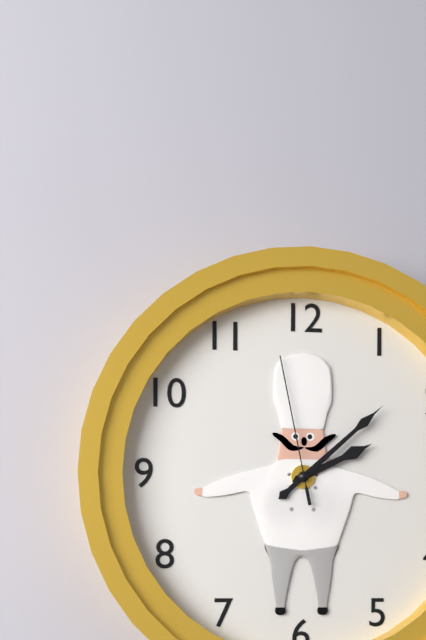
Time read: **2:08:58**
